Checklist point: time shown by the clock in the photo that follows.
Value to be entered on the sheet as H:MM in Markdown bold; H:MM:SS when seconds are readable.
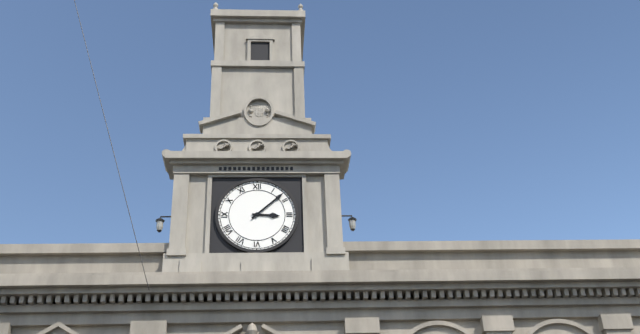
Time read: **3:08**
